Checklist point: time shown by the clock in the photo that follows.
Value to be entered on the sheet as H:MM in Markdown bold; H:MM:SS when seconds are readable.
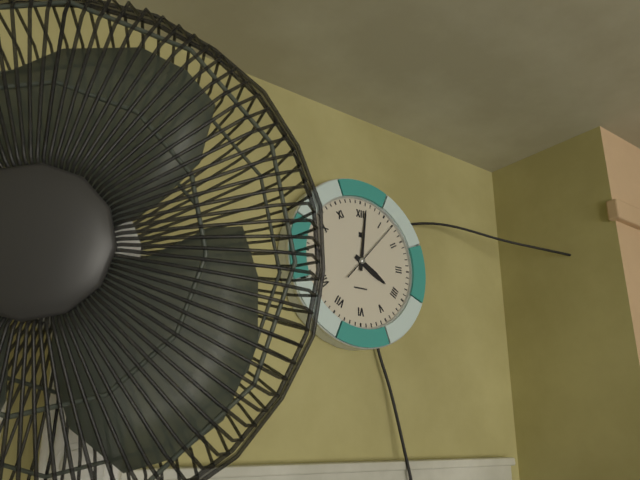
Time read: **4:01:07**
